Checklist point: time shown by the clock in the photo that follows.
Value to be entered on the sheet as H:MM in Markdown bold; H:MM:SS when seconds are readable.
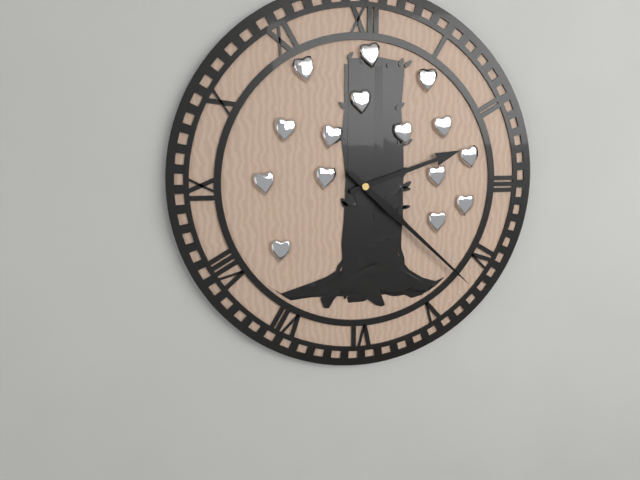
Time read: **2:22**
